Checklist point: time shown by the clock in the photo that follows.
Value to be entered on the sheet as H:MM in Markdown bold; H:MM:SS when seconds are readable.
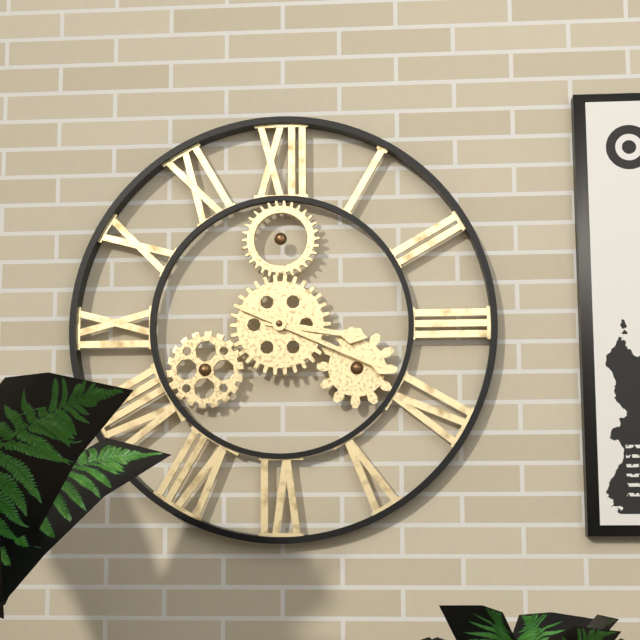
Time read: **3:19**
